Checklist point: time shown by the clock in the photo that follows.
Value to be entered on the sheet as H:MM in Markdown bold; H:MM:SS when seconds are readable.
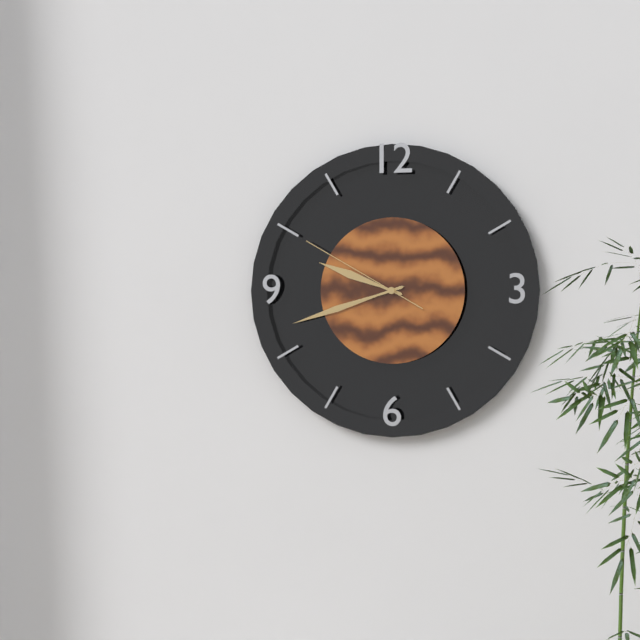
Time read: **9:42:50**
